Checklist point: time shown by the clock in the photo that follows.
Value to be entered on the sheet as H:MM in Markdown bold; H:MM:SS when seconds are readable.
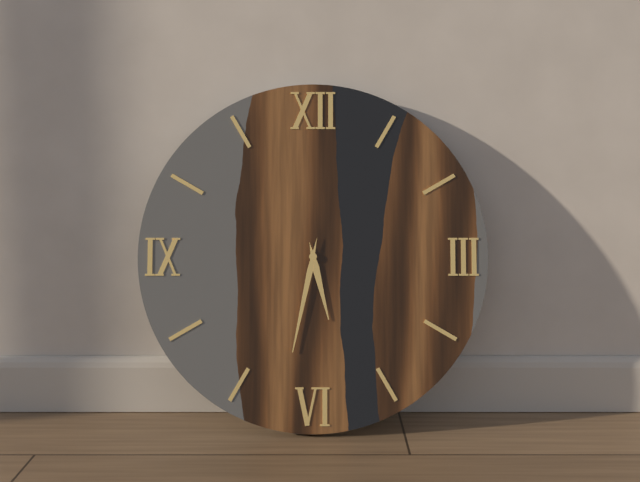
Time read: **5:32**
